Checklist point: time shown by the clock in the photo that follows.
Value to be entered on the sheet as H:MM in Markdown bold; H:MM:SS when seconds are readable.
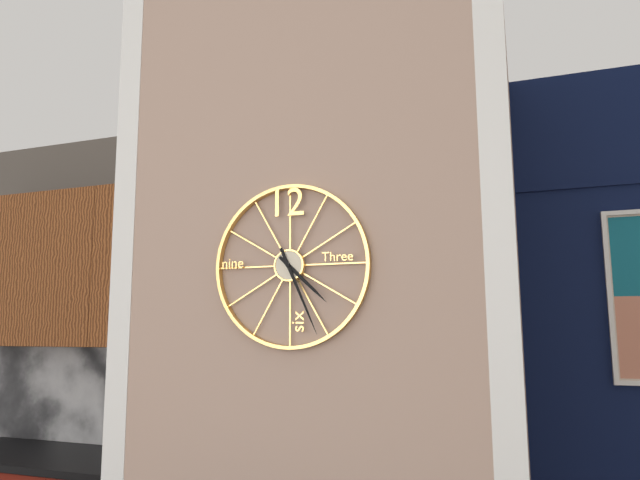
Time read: **4:26**
